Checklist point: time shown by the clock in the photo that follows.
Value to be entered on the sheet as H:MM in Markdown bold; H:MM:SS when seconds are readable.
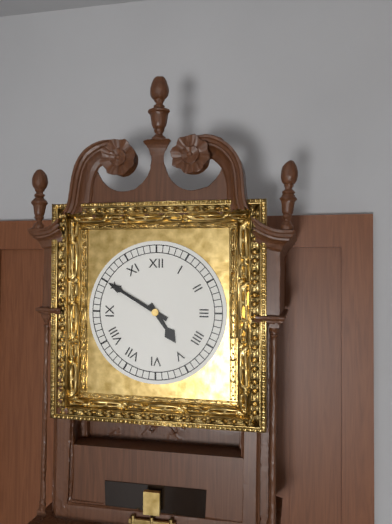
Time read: **4:50**
